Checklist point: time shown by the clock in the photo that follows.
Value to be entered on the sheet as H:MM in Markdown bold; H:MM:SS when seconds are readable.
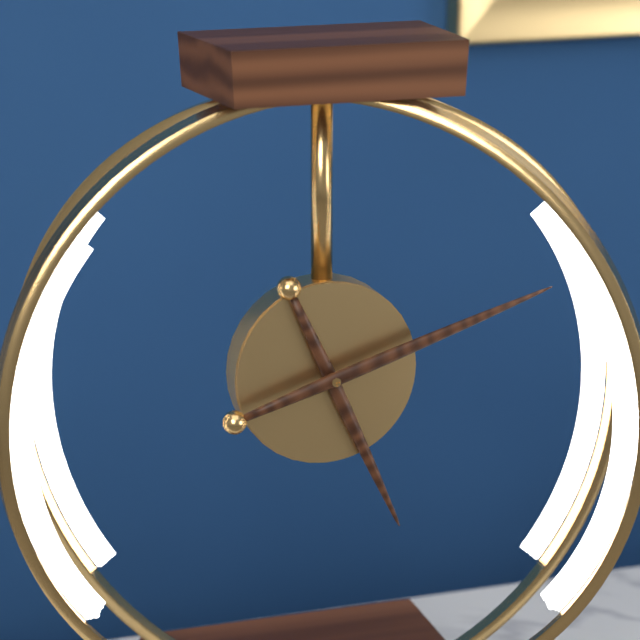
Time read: **5:12**
